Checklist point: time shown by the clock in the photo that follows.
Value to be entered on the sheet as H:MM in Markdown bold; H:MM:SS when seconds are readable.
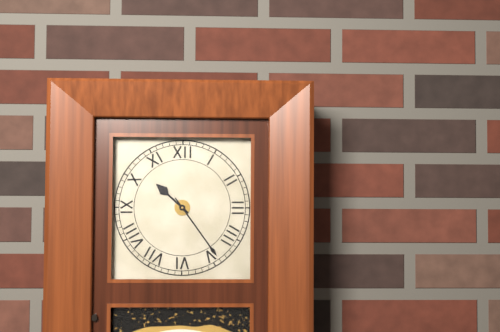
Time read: **10:24**
